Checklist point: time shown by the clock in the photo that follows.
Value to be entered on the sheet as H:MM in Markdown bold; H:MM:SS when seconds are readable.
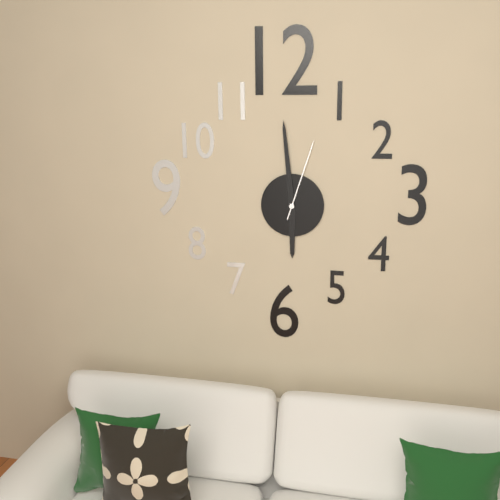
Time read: **5:59:03**
